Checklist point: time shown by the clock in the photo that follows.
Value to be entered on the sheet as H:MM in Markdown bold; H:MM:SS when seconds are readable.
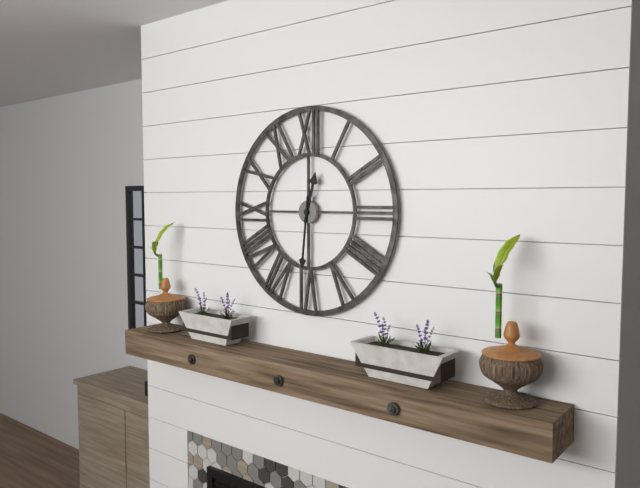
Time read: **12:31**
